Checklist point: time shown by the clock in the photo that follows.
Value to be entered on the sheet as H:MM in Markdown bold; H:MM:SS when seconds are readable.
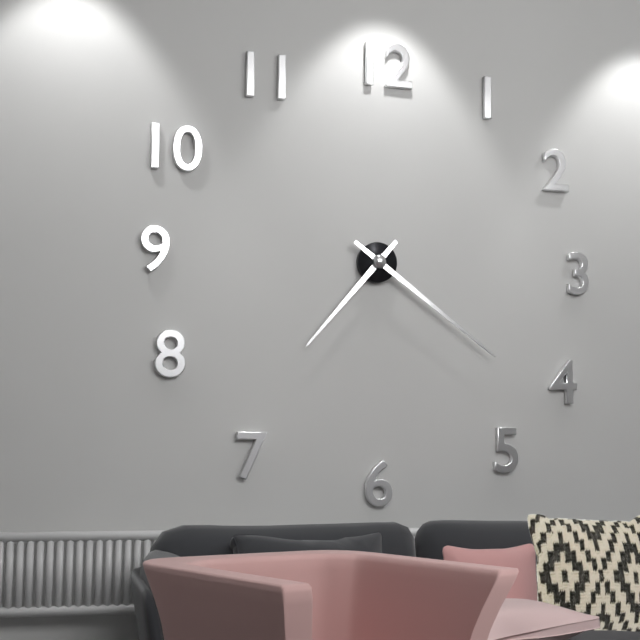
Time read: **7:21**
